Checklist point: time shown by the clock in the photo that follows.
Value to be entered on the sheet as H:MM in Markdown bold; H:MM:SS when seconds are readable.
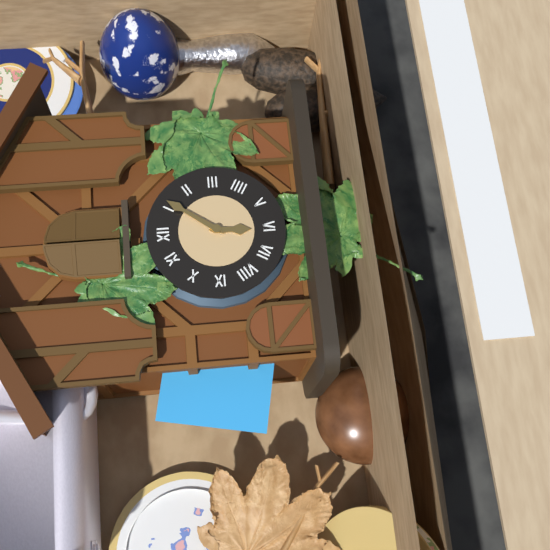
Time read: **6:06**
